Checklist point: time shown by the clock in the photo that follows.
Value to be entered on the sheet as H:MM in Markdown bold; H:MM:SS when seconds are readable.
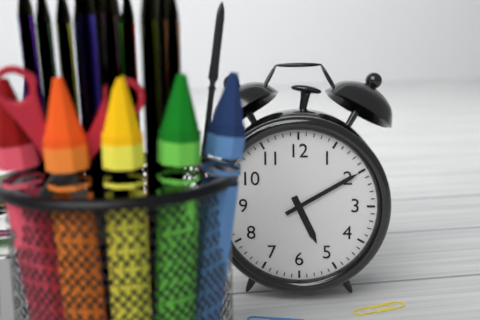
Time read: **5:10**
